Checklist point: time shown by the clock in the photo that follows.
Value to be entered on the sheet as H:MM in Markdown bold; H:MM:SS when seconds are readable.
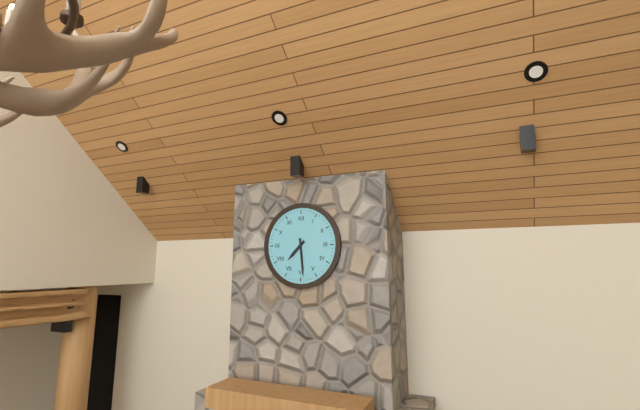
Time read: **7:29**
